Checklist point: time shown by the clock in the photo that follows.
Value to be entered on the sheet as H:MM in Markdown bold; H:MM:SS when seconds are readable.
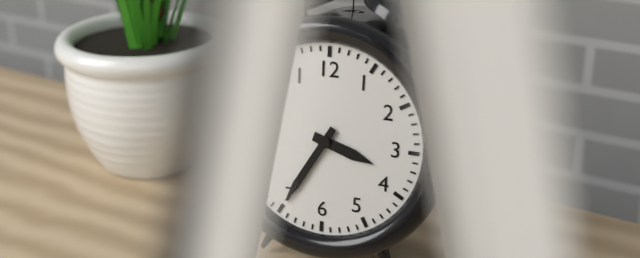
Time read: **3:35**
